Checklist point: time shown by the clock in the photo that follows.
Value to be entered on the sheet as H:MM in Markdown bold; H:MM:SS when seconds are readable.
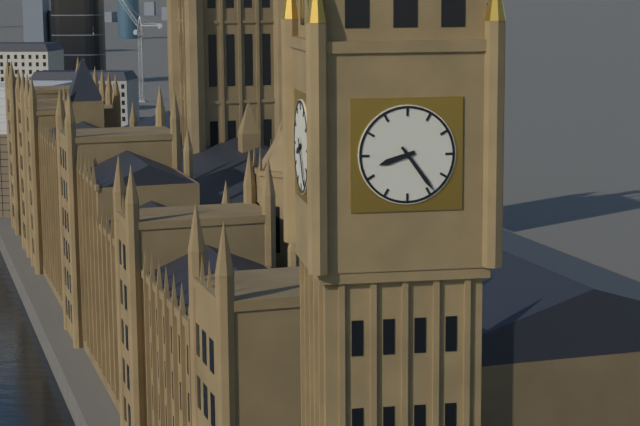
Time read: **8:24**
